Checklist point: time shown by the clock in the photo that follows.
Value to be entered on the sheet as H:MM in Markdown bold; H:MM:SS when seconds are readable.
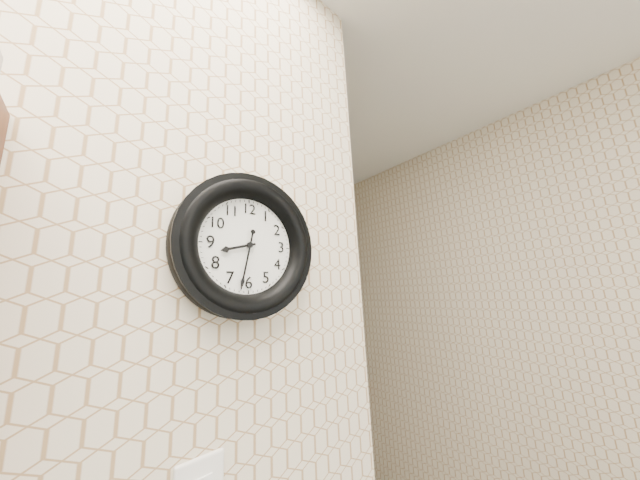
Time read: **8:32**
